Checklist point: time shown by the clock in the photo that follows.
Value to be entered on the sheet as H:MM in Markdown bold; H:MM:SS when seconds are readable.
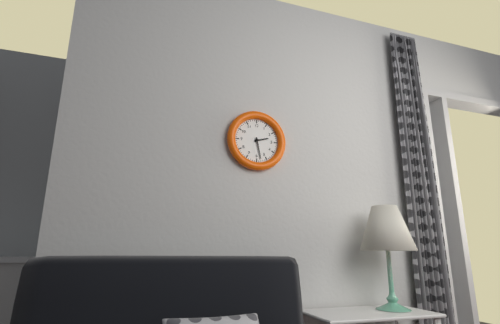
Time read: **2:28**
